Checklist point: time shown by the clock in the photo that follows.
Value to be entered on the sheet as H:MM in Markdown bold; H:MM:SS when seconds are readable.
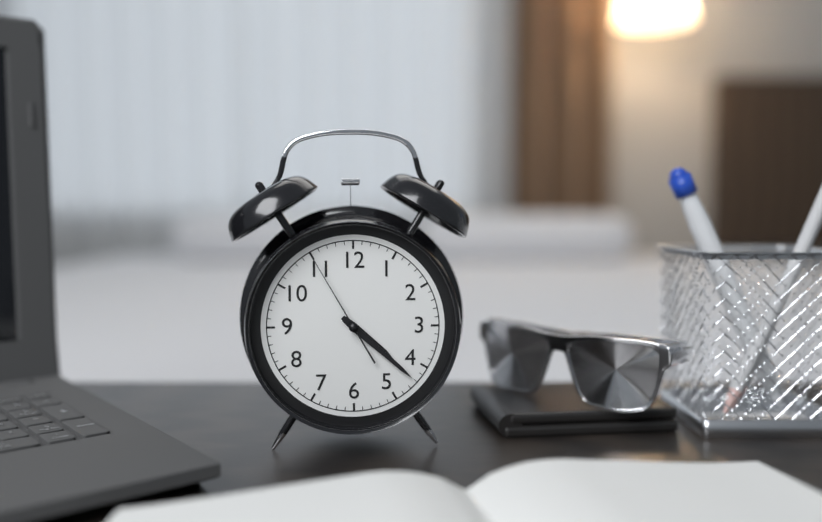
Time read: **4:22:55**
